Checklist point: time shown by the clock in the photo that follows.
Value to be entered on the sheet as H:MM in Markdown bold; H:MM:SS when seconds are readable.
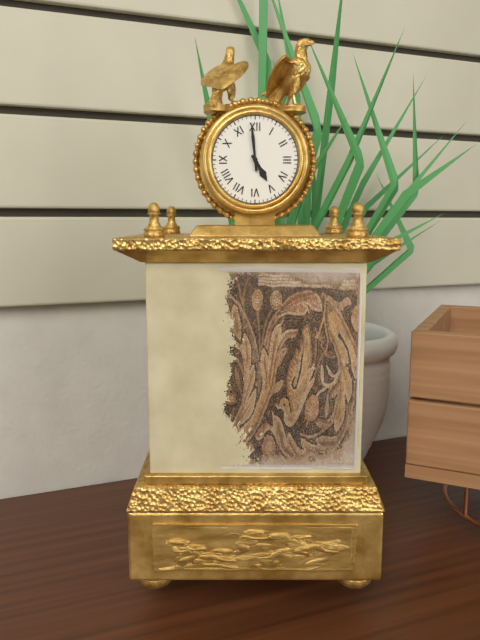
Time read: **4:59**
